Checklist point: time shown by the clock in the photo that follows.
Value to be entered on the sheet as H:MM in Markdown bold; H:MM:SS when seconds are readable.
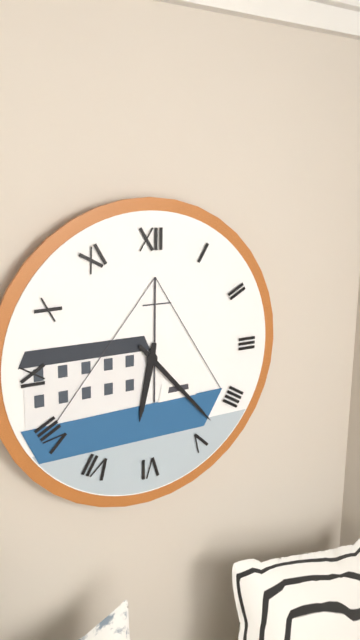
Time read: **6:23**
